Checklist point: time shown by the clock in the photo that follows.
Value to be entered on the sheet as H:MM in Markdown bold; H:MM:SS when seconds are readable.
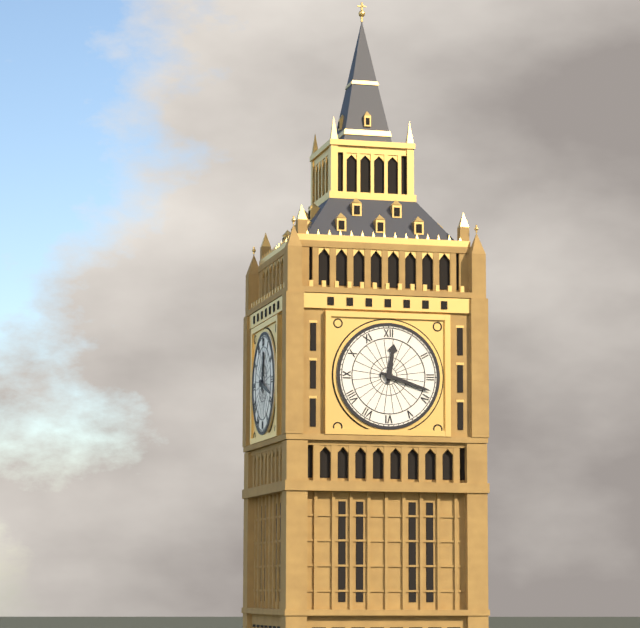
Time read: **12:18**
